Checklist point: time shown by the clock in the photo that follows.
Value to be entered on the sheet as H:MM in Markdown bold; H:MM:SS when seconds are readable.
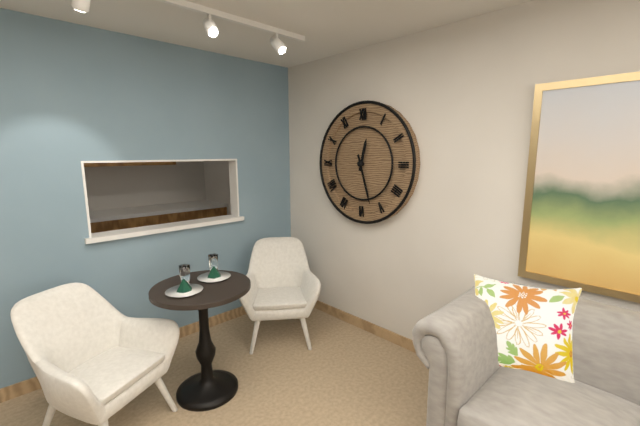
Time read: **12:27**
